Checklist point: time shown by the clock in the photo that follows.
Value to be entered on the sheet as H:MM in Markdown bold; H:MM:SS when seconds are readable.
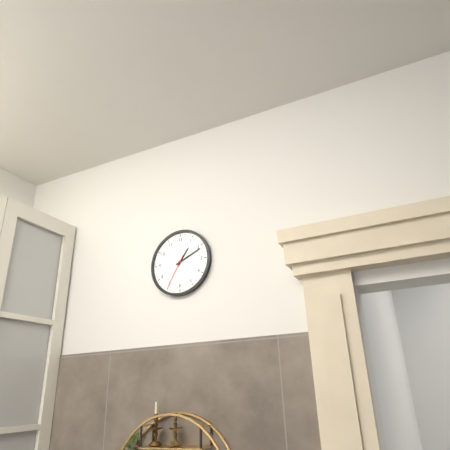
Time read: **1:11**
